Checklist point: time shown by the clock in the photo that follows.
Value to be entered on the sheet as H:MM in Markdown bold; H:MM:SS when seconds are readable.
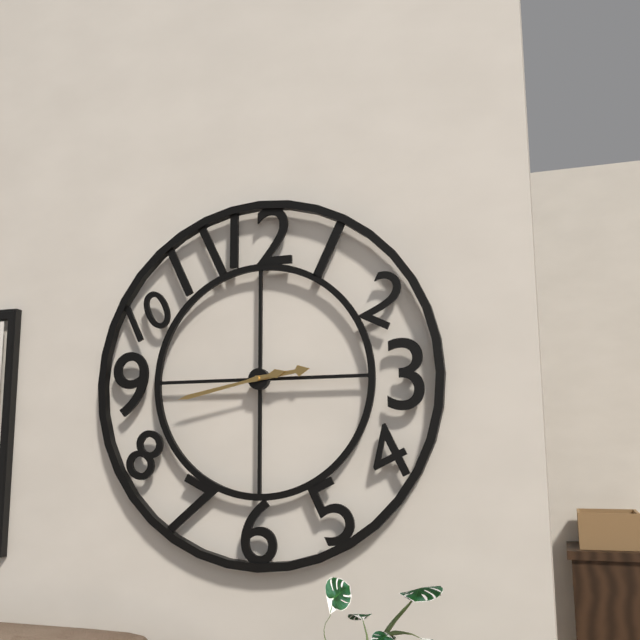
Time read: **2:43**
